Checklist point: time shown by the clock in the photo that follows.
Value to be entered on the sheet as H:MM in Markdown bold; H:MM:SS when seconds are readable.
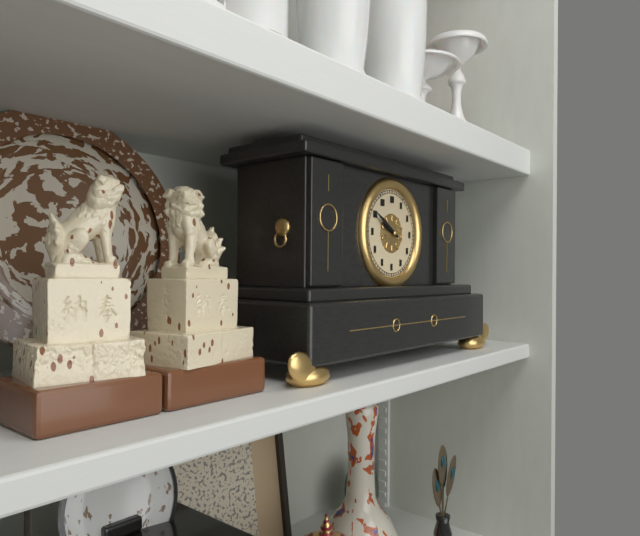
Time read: **9:50**
